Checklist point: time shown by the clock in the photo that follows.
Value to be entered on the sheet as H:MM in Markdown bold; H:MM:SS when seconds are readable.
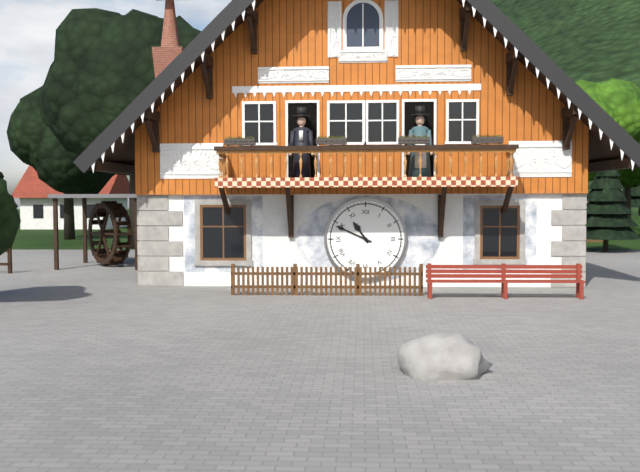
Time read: **10:49**
